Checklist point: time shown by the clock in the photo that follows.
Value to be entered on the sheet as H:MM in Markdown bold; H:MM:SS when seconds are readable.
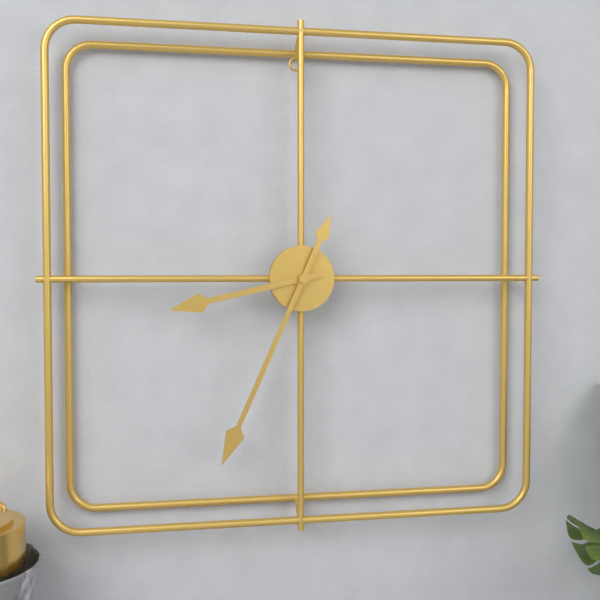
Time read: **8:34**
